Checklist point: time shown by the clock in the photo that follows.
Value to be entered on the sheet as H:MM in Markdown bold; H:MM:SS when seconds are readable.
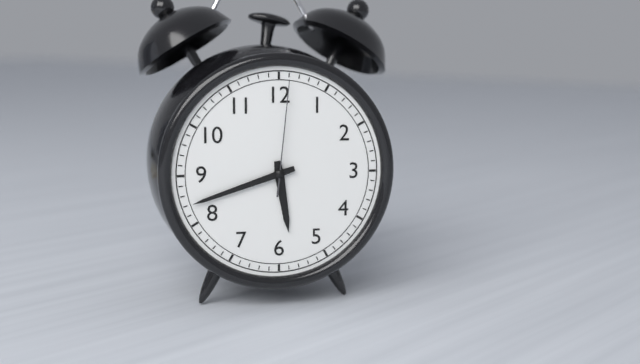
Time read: **5:42:01**
